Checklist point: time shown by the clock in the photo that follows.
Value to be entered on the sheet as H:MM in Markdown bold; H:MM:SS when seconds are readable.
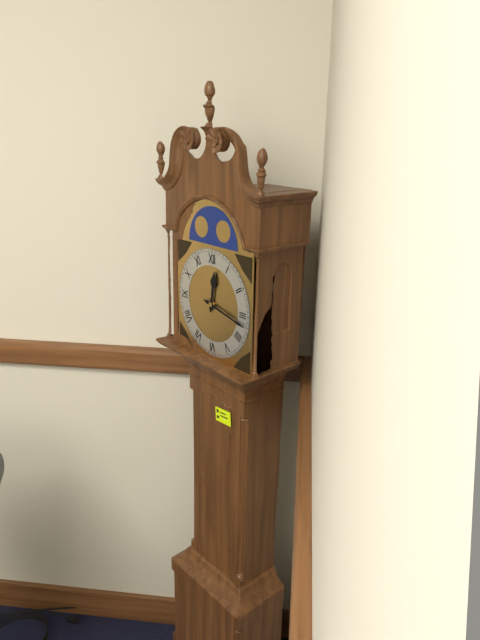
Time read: **12:17**
